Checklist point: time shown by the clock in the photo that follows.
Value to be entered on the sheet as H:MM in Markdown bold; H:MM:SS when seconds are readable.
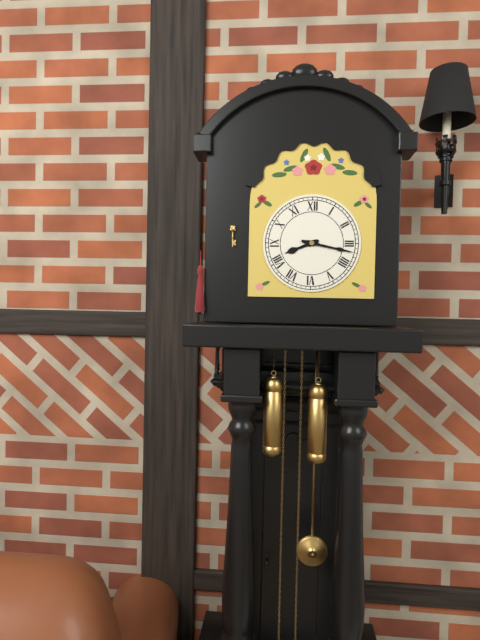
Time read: **8:17**
